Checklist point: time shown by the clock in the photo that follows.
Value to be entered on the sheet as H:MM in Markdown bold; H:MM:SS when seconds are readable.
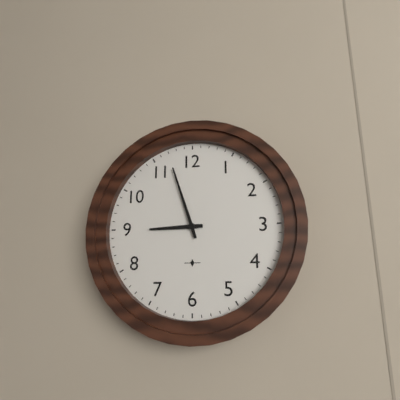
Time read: **8:57**
